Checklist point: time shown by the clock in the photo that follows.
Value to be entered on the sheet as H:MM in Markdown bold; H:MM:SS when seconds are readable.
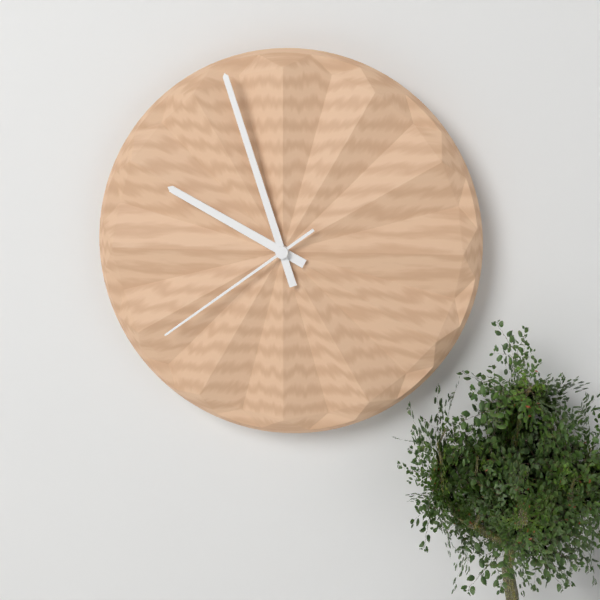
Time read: **9:57:39**
